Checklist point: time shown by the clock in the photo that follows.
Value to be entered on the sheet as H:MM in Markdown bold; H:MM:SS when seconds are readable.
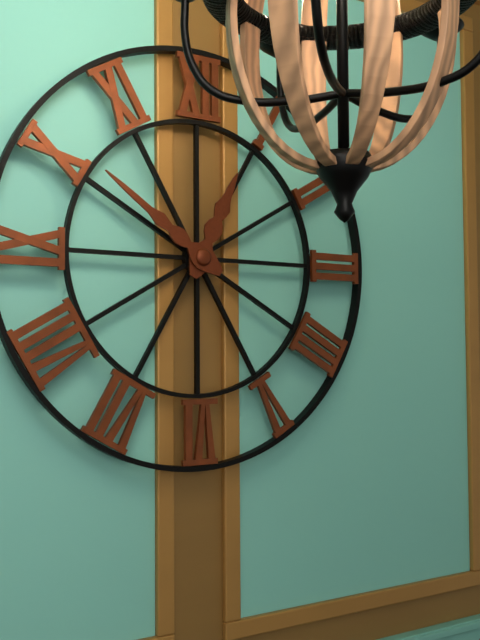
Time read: **12:51**
